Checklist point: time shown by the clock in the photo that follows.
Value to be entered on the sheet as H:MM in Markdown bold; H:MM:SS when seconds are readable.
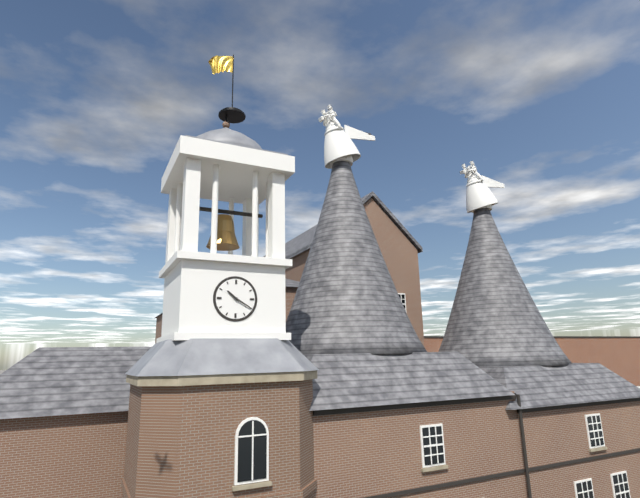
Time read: **10:20**
